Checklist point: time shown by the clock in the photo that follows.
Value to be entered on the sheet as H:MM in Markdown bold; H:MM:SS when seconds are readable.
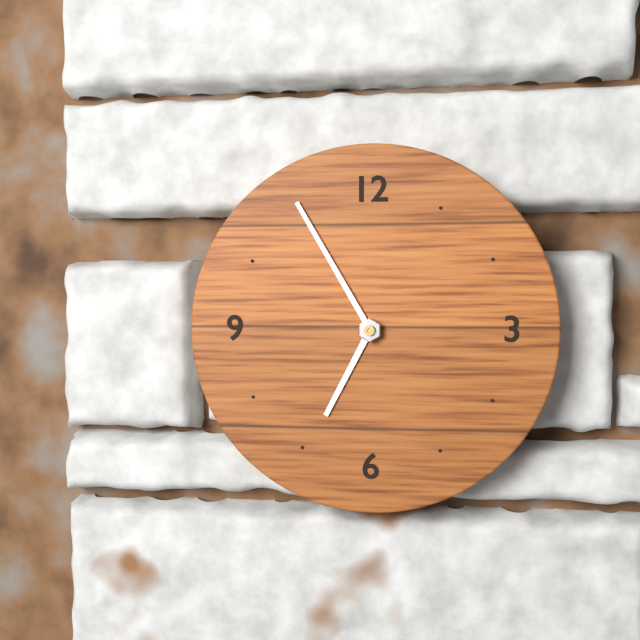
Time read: **6:55**
